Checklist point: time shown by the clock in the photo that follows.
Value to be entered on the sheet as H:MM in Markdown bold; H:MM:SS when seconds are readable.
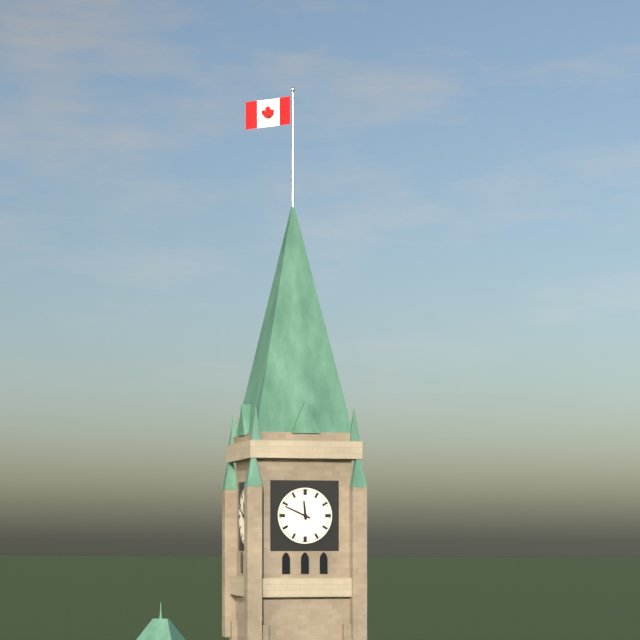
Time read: **11:49**
